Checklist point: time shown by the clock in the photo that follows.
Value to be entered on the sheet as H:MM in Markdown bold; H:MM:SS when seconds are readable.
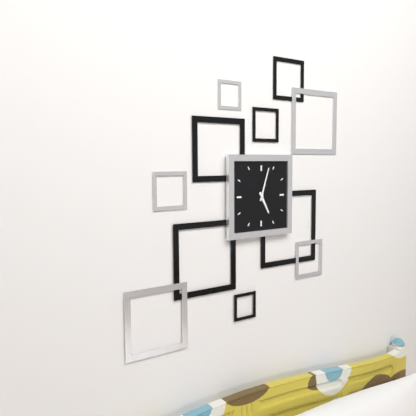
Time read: **5:03**
